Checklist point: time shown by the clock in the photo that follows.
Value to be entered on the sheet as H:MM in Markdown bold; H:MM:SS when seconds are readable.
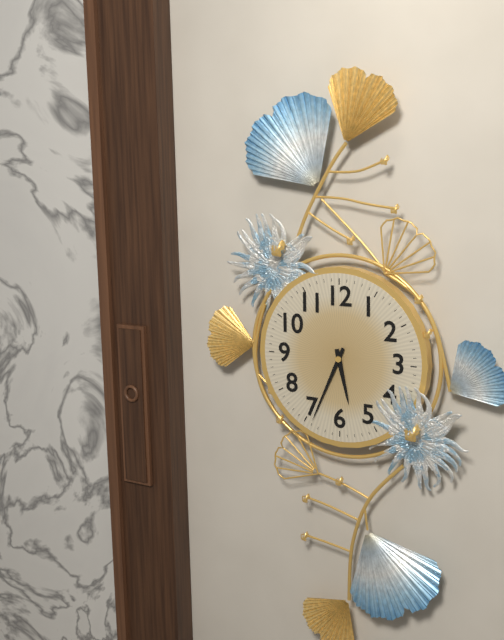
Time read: **5:34**
